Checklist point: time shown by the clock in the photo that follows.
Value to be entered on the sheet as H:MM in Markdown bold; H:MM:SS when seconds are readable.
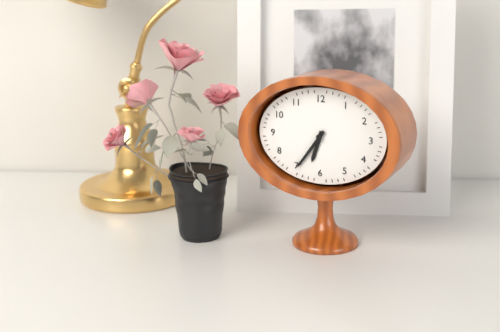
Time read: **6:36**
